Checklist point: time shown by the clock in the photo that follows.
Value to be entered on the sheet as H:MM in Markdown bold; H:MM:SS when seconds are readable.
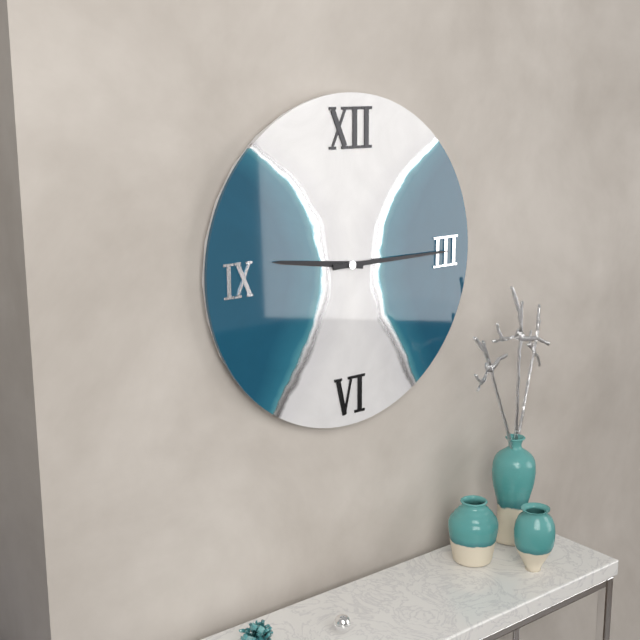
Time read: **9:15**
